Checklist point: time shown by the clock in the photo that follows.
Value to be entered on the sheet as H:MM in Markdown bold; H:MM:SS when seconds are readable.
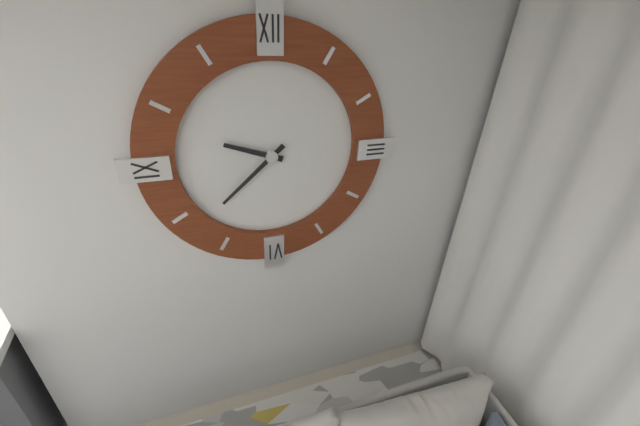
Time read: **9:38**
